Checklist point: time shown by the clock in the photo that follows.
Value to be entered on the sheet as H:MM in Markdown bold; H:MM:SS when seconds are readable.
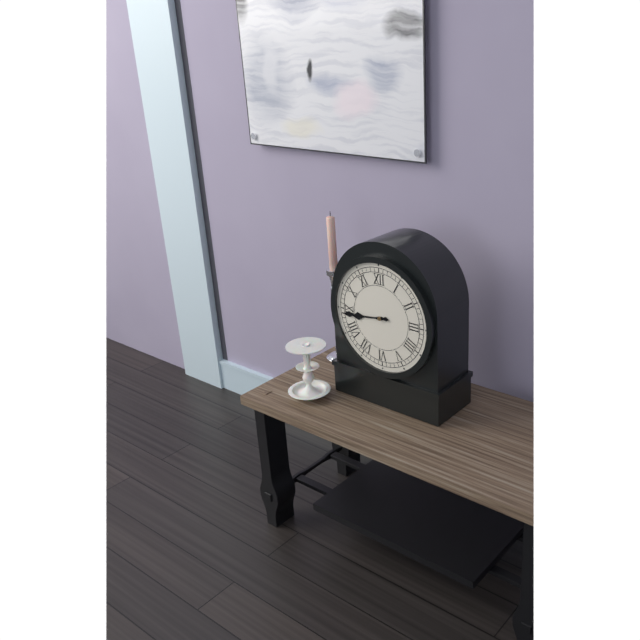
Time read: **8:44**
